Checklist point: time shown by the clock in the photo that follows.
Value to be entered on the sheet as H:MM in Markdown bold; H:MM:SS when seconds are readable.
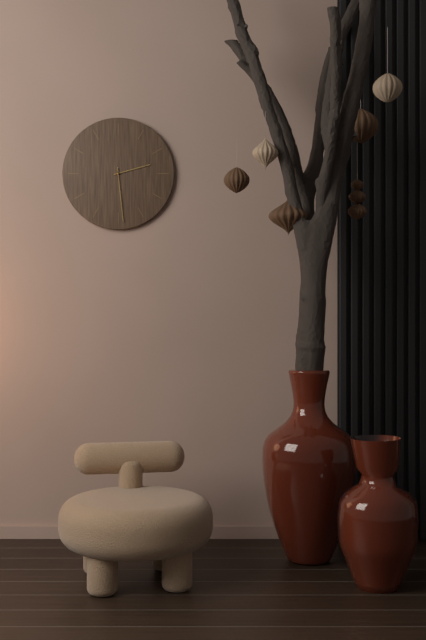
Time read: **2:29**
